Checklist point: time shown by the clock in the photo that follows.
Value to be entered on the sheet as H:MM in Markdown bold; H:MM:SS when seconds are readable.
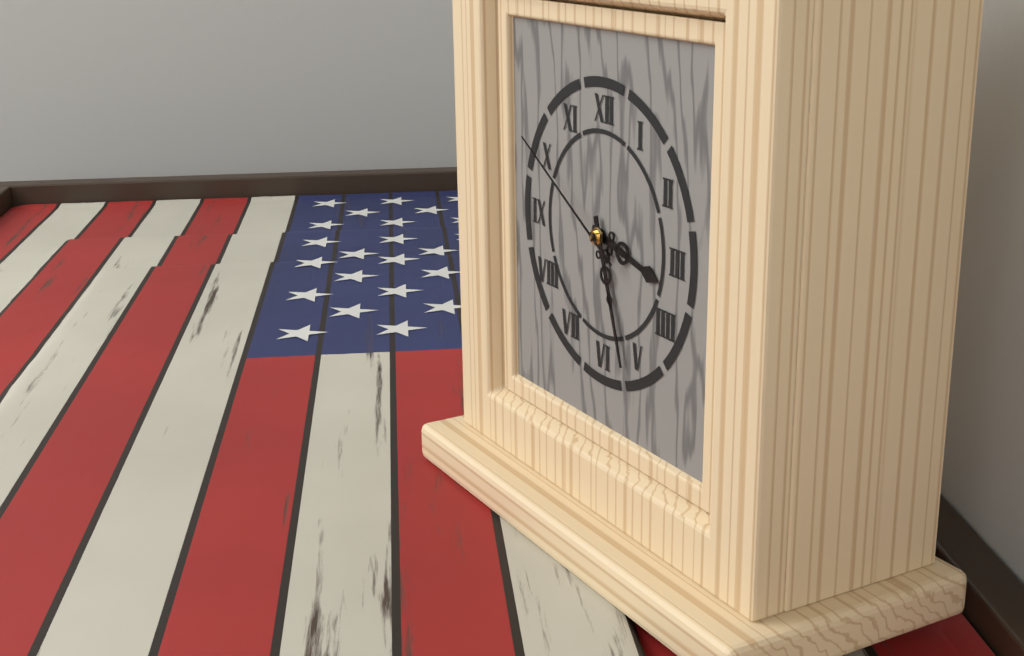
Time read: **3:27:50**
